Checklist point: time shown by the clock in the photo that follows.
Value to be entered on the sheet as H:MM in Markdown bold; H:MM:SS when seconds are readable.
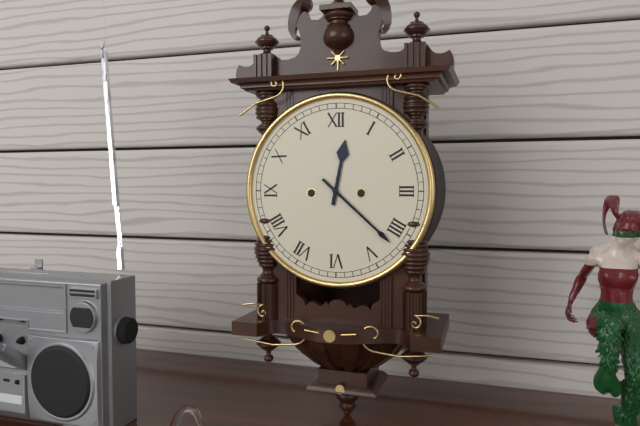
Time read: **12:22**
